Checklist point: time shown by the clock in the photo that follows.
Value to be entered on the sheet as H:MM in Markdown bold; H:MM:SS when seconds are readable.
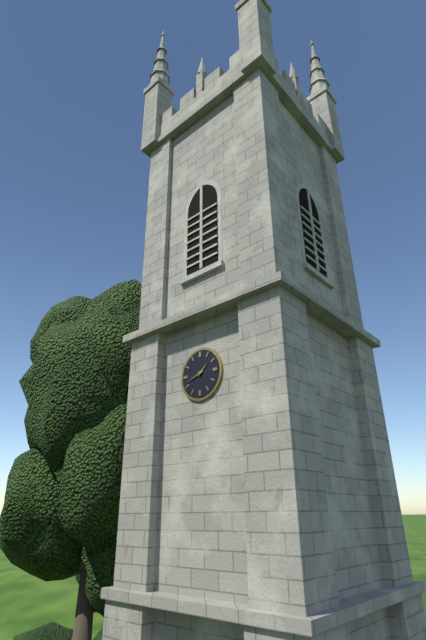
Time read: **1:42**
